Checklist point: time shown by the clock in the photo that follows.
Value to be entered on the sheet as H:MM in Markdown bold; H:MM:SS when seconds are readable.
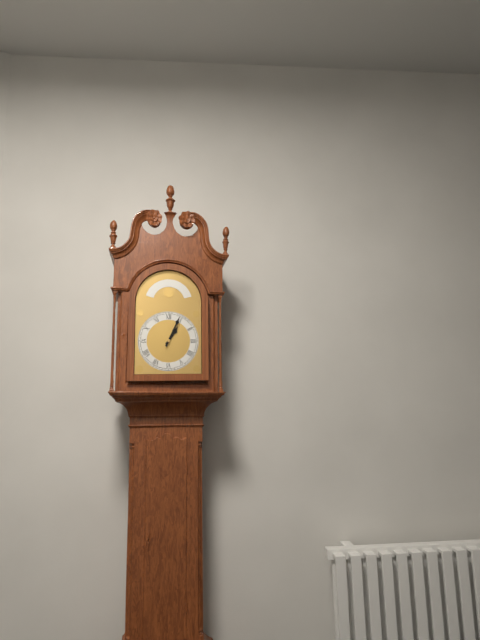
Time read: **1:04**
